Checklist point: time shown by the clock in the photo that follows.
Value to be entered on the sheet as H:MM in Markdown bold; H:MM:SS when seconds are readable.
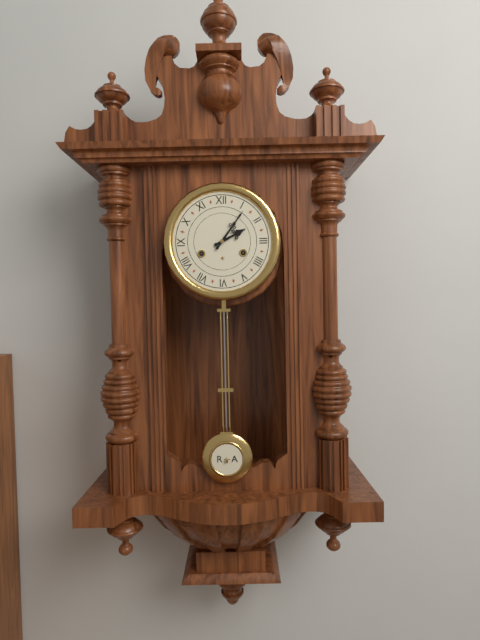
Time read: **2:06**
